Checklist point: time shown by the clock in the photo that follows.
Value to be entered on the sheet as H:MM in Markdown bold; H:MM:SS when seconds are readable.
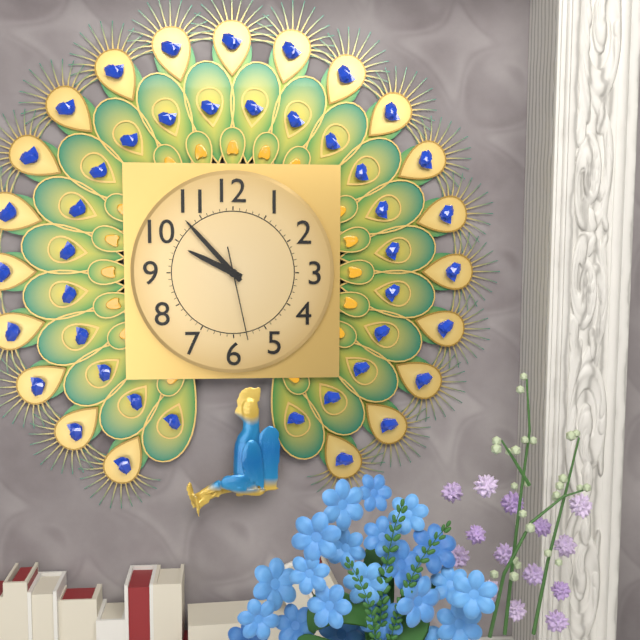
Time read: **9:53:28**
